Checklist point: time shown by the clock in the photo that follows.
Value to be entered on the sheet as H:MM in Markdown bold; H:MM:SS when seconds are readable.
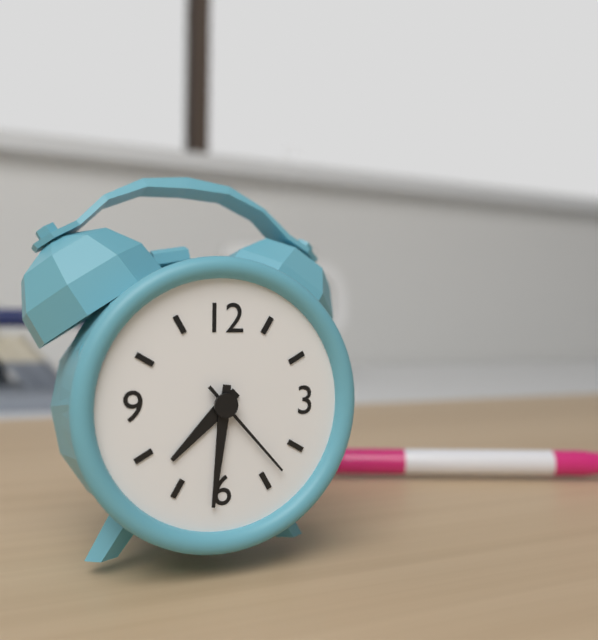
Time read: **7:31:23**
